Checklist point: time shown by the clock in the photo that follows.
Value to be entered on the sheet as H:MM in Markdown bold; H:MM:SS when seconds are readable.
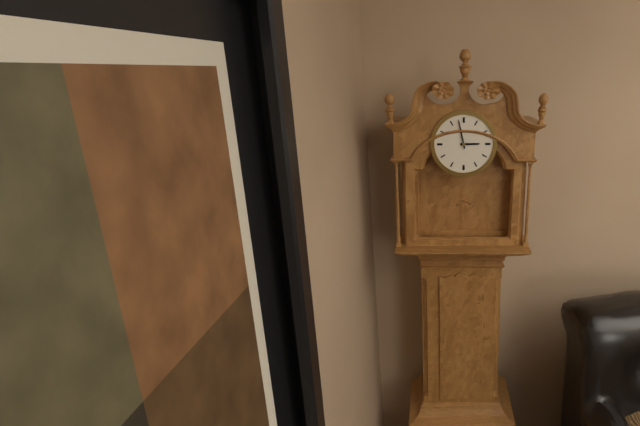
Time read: **2:58**
